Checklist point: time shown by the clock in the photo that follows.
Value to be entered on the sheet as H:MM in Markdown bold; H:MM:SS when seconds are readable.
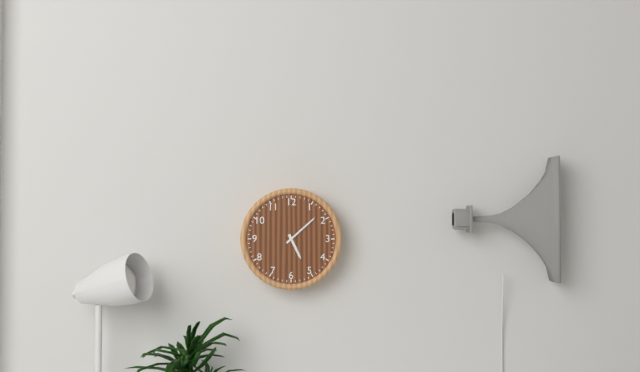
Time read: **5:08**
